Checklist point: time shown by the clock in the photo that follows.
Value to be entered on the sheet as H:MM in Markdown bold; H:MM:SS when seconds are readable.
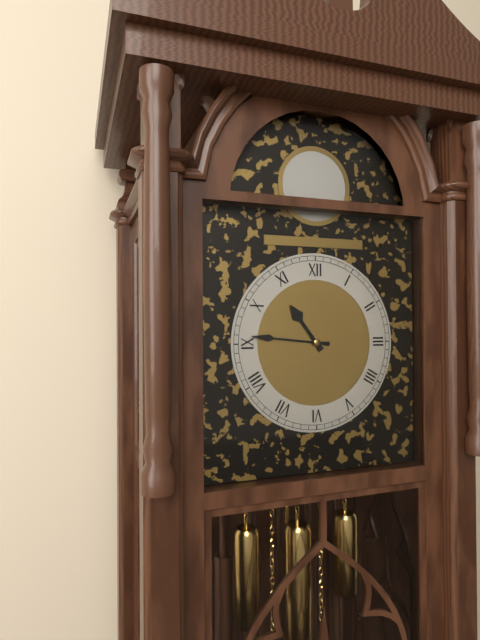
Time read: **10:46**
